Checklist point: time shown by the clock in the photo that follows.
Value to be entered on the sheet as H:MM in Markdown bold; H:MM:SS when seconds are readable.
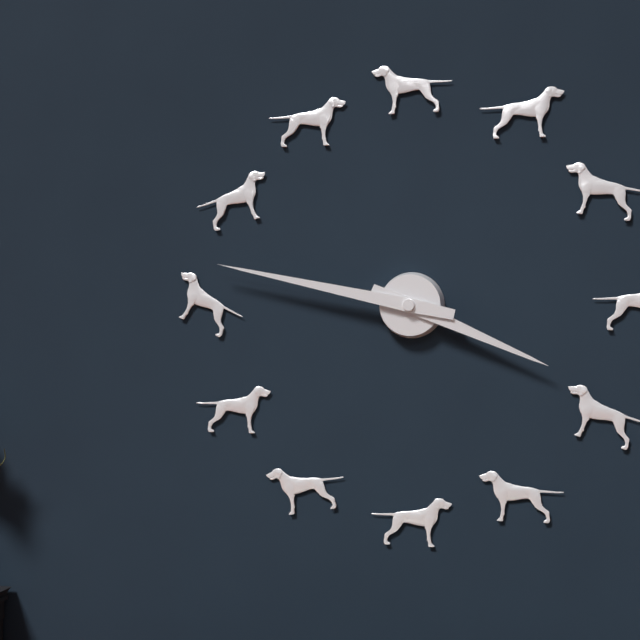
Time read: **3:47**
